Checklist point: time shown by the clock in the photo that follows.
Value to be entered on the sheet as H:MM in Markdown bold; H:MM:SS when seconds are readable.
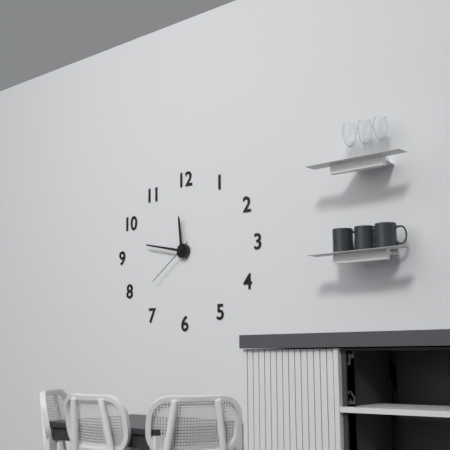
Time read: **11:47:39**
